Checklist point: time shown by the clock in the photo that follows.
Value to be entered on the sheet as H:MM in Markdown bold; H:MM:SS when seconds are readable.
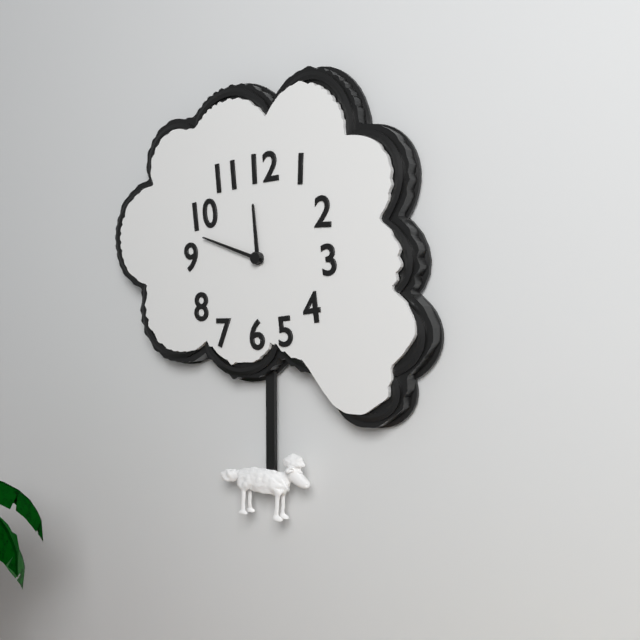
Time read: **11:48**
